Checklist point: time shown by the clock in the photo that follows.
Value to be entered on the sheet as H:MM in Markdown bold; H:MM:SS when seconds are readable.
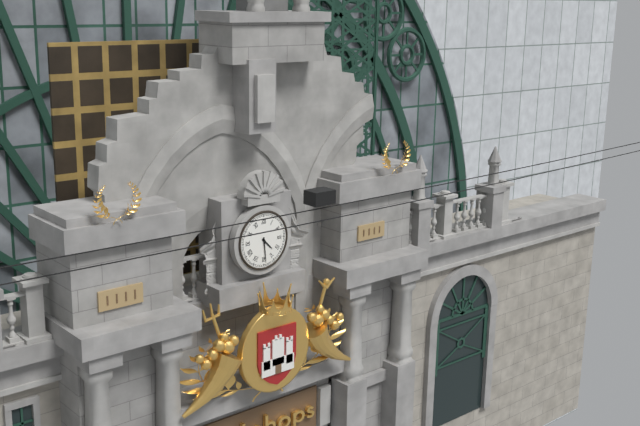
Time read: **4:29**
